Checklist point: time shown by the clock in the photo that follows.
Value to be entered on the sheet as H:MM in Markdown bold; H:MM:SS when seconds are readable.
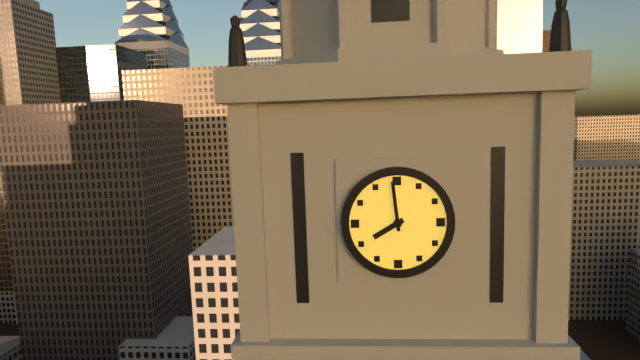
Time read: **7:59**
